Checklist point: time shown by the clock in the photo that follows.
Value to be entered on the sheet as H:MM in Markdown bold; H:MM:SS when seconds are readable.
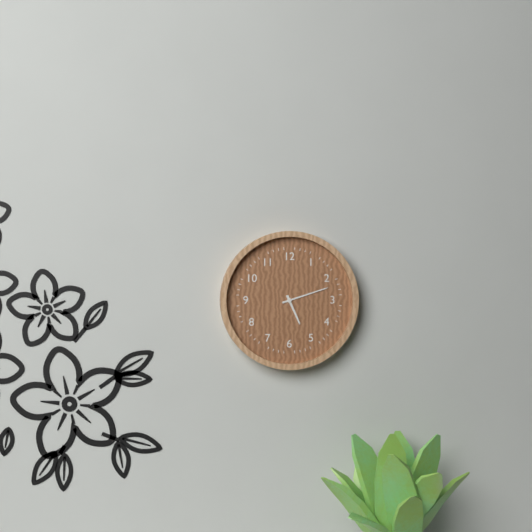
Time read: **5:12**
